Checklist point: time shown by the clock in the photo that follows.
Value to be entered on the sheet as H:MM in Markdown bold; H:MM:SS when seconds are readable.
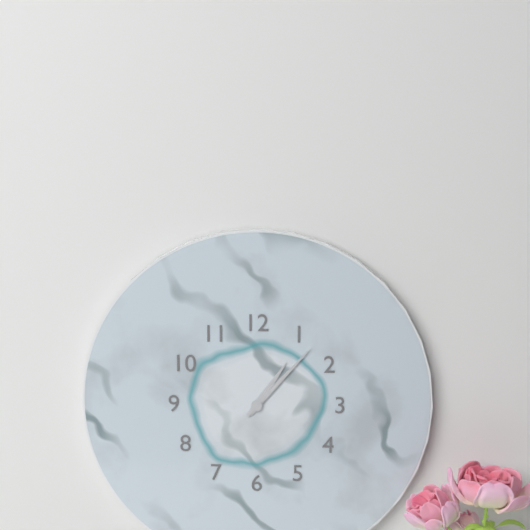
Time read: **1:07**
